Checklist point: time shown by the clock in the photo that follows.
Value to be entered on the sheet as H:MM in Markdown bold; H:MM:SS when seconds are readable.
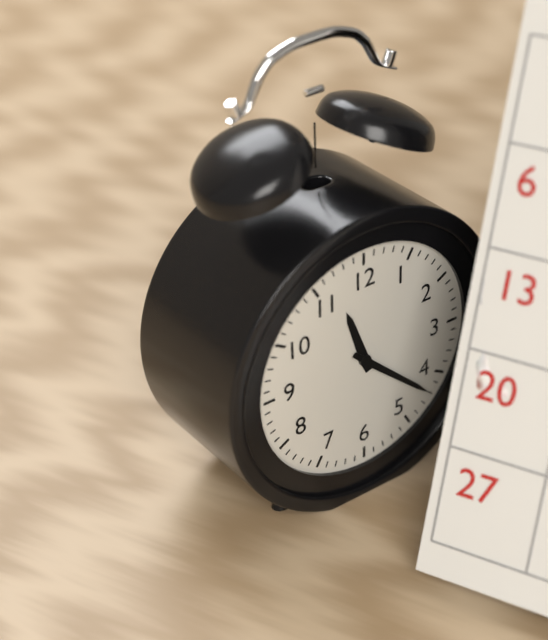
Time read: **11:22**
